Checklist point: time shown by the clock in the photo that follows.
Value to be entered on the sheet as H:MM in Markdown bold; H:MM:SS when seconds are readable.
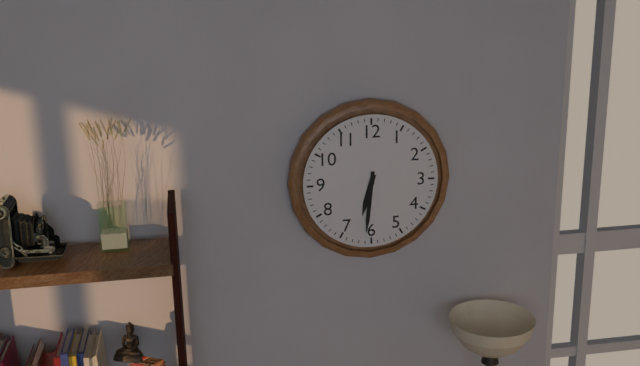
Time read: **6:31**
